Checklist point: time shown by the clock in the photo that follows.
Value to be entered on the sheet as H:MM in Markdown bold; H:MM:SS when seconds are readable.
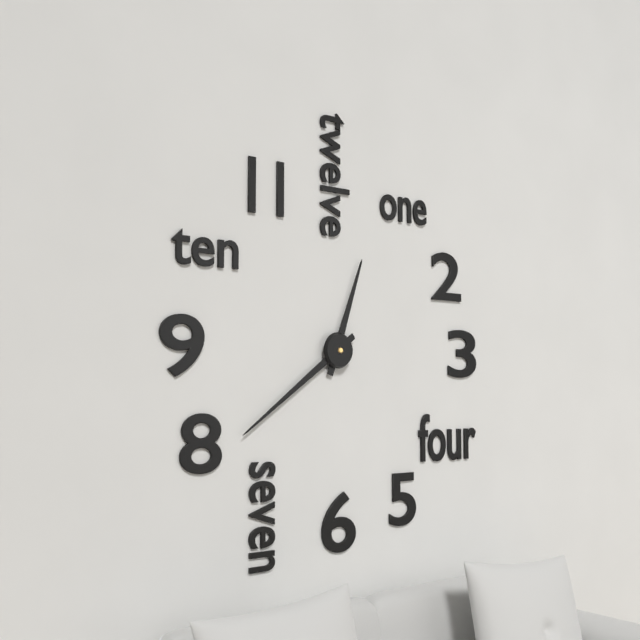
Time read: **12:39**
